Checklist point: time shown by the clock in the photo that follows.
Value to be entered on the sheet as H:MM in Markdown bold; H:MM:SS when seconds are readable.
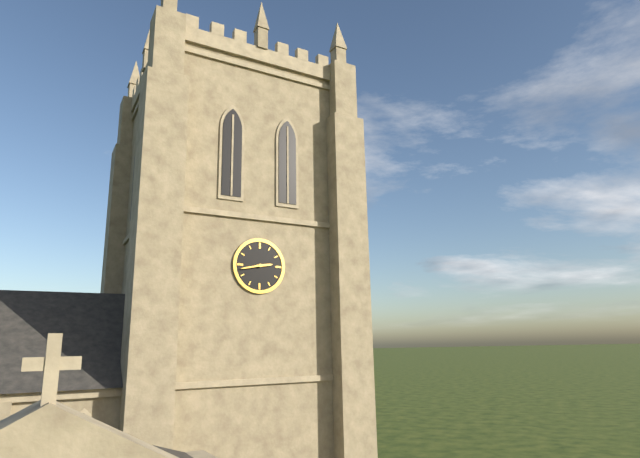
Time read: **2:43**
